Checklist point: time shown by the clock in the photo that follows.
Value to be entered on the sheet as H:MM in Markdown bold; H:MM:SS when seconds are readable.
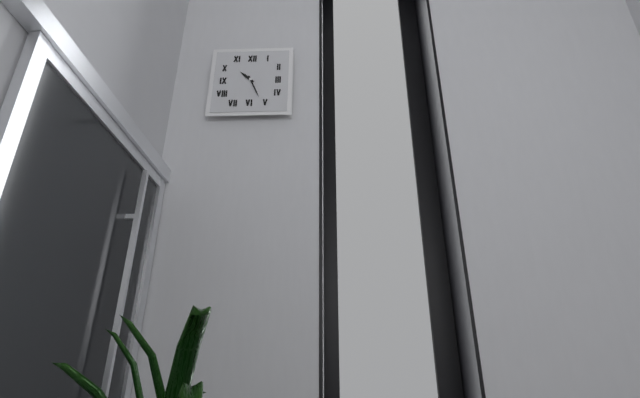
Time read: **10:26**
